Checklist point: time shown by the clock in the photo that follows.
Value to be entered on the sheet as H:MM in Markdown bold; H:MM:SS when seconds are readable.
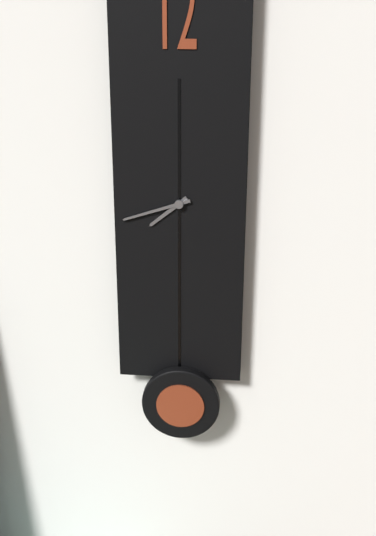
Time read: **7:42**
